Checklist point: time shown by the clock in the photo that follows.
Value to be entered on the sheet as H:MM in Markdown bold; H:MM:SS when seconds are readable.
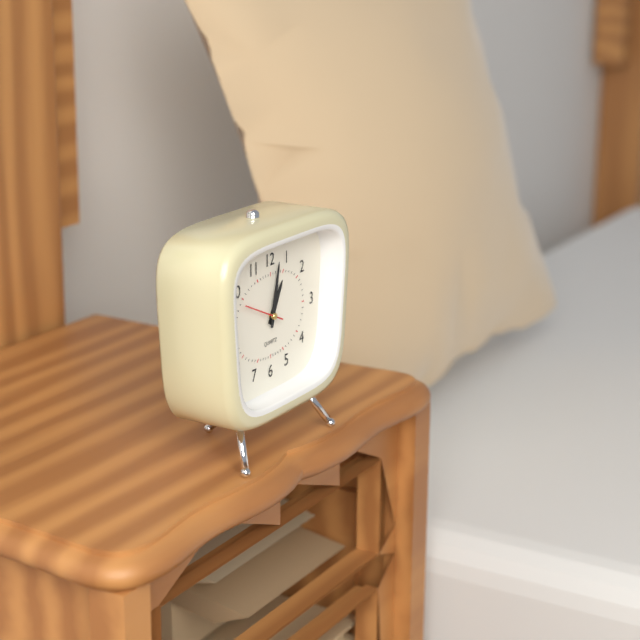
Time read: **1:02**
